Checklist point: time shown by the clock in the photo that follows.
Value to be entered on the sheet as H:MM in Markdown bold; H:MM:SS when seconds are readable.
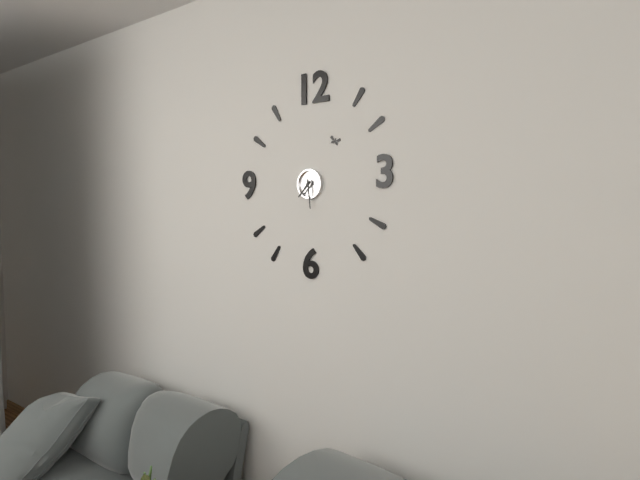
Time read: **7:29**
